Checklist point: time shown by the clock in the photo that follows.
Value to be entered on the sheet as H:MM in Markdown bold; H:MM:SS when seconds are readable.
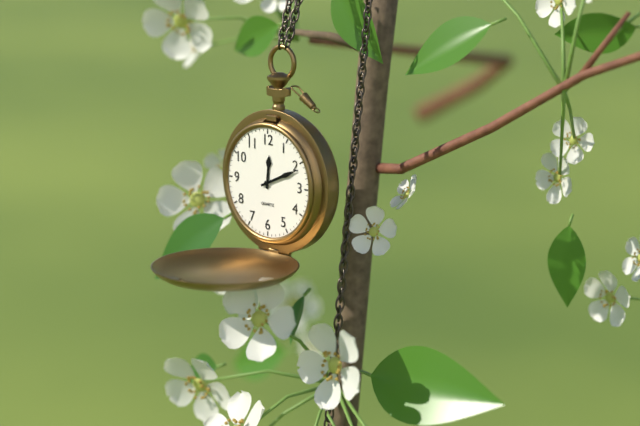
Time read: **12:11**
